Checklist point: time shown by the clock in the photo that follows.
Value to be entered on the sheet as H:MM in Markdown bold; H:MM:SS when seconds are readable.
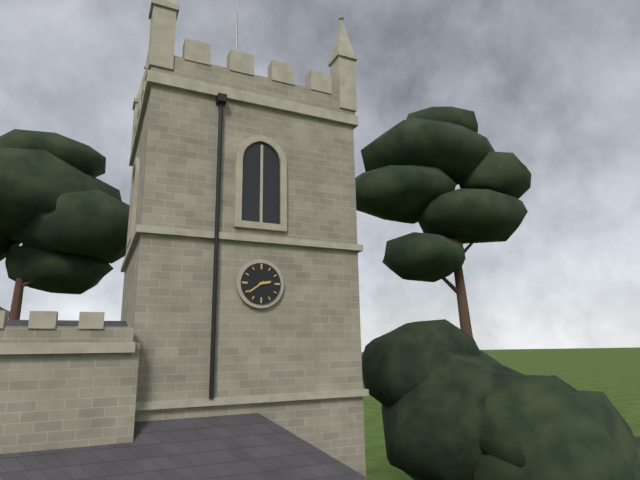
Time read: **2:39**
